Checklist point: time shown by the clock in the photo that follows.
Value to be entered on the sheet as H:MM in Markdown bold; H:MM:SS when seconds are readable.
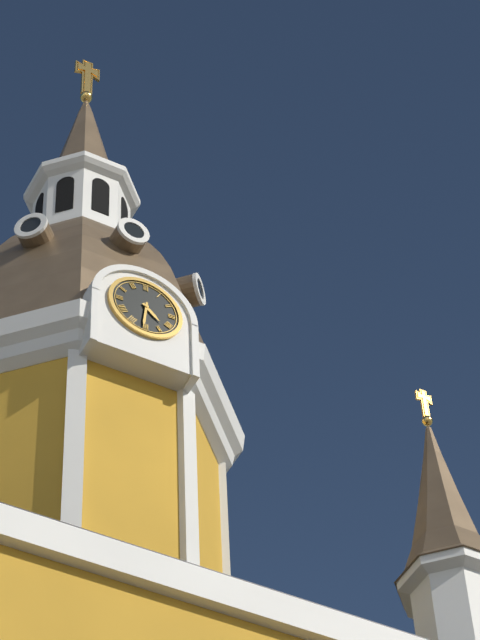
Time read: **4:31**
